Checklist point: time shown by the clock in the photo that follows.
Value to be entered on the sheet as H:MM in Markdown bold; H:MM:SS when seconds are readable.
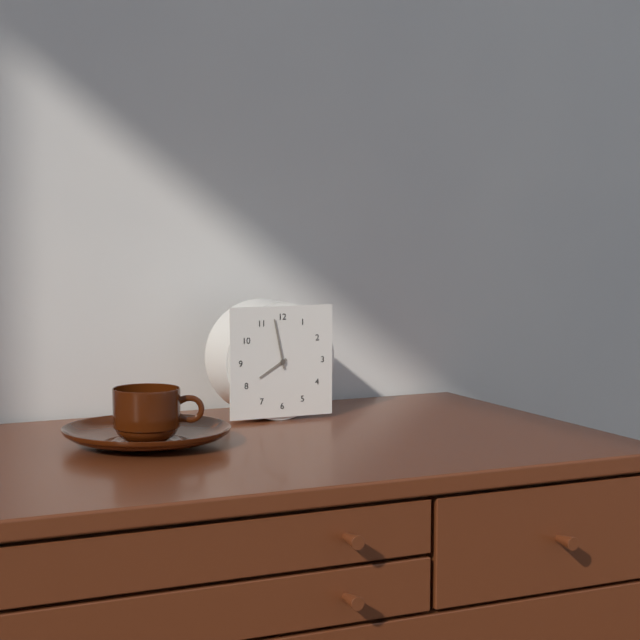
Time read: **7:58**
